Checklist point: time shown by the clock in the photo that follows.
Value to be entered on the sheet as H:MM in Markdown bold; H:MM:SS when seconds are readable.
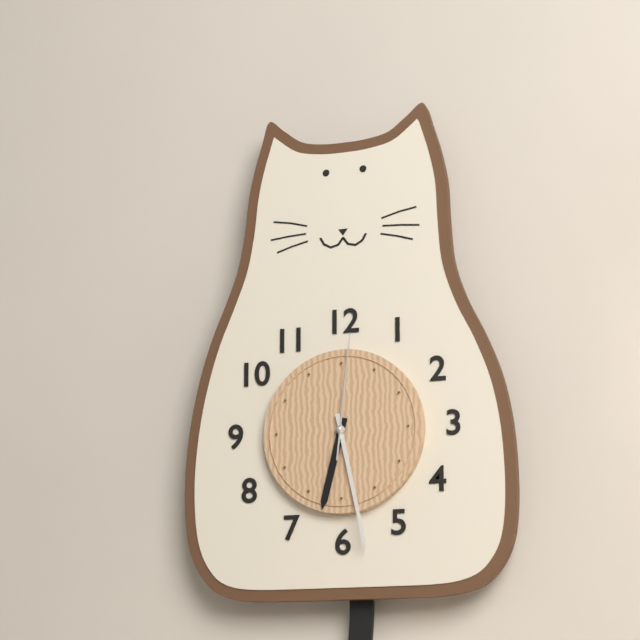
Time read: **6:28:01**
